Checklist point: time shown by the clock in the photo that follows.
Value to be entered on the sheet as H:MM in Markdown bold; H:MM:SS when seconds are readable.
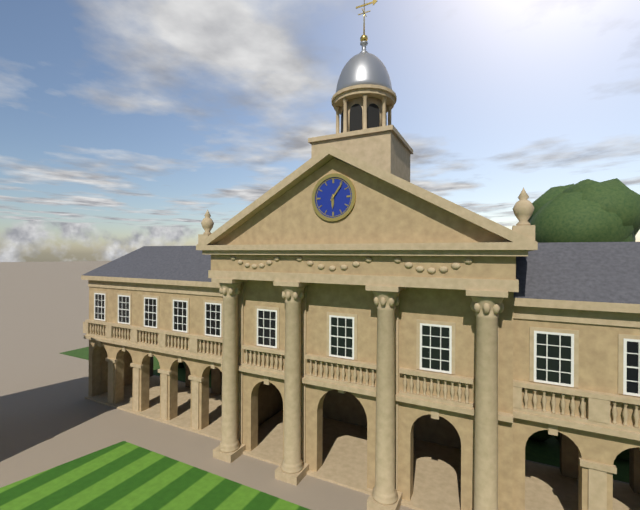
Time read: **6:06**
